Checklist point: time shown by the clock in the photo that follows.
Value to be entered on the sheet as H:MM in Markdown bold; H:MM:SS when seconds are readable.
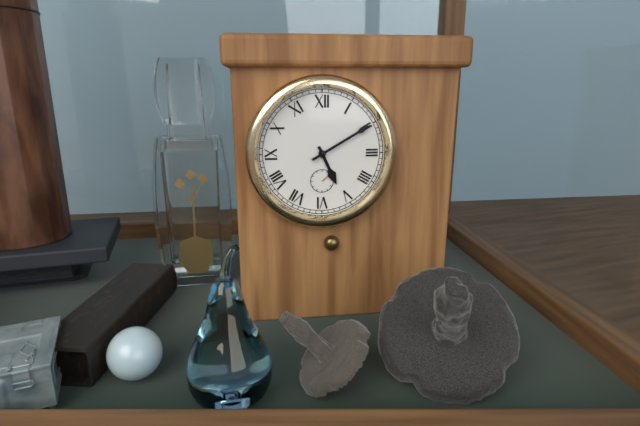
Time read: **5:10**
